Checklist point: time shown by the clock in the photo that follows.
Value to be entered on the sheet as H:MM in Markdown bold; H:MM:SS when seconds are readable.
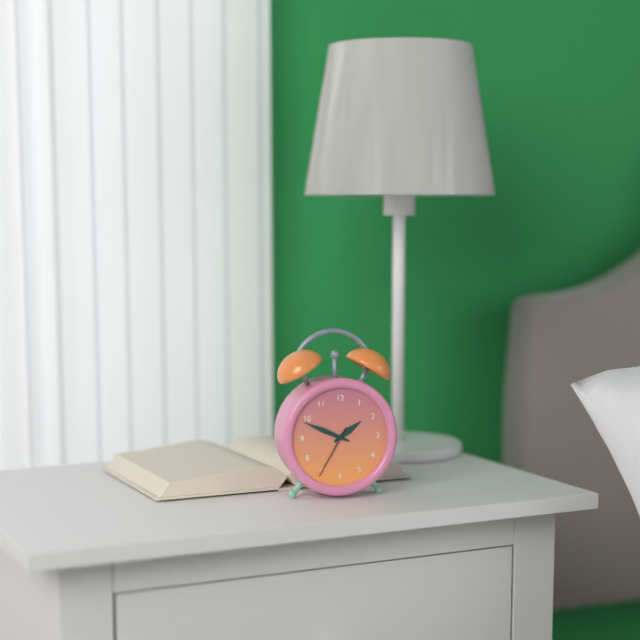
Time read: **1:49:35**
